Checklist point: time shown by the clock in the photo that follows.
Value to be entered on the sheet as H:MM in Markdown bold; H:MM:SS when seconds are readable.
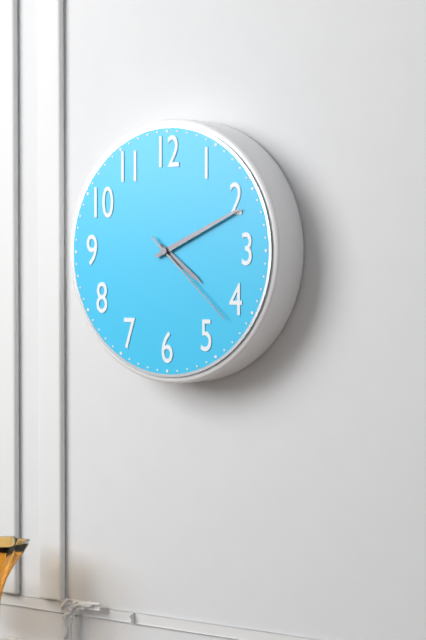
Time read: **4:11:22**
